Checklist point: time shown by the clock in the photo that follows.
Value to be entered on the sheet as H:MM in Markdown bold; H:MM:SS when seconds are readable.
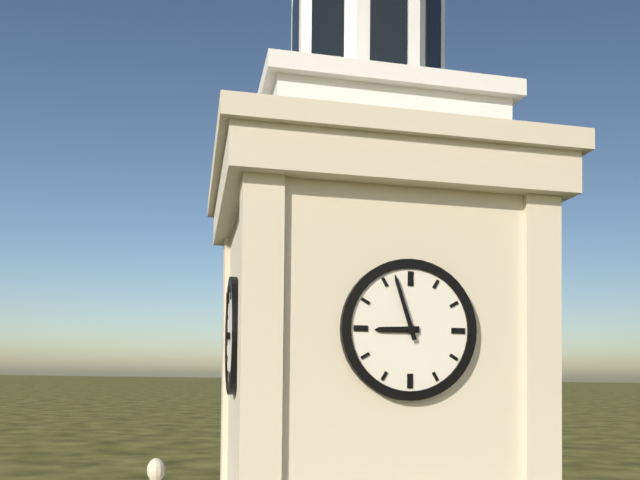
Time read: **8:57**
